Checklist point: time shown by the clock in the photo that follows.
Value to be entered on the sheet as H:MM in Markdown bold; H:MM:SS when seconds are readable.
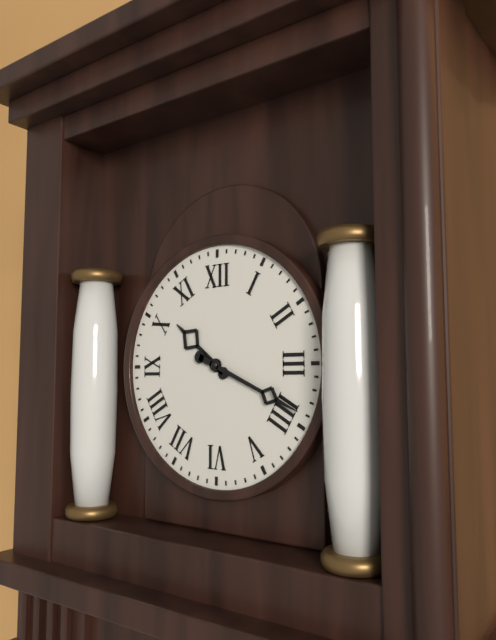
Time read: **10:19**
